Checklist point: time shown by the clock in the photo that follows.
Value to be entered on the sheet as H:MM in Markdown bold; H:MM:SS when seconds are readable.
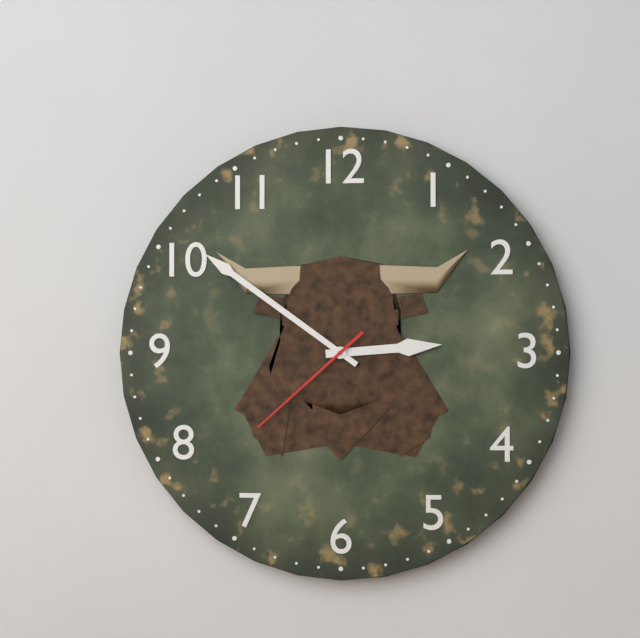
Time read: **2:51:38**
